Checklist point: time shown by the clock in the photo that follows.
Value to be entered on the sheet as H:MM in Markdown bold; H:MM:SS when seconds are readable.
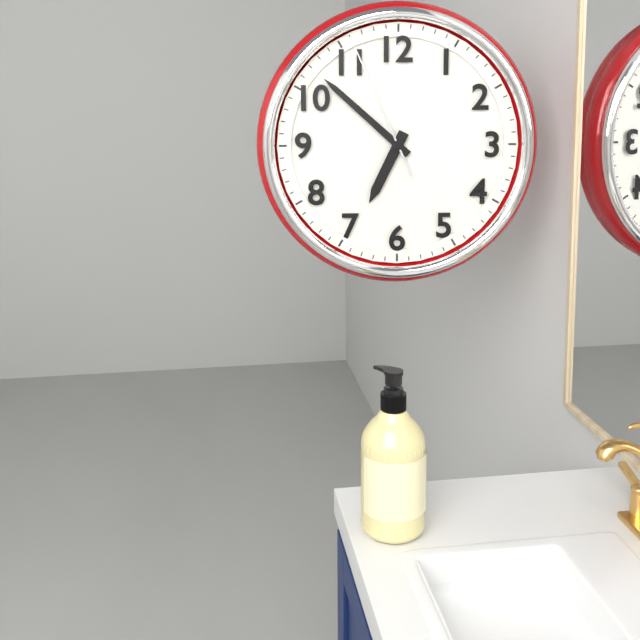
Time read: **6:52:56**
